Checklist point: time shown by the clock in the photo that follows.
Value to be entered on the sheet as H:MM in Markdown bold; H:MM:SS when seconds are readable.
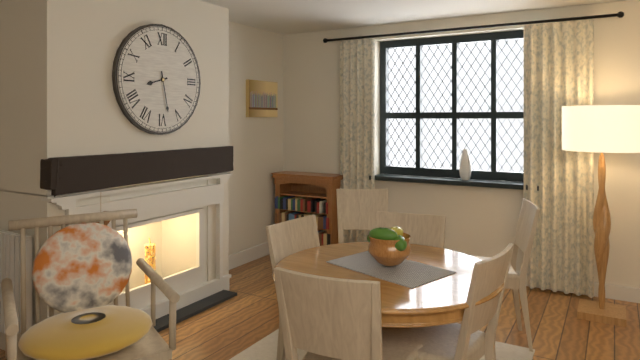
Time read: **8:28**
